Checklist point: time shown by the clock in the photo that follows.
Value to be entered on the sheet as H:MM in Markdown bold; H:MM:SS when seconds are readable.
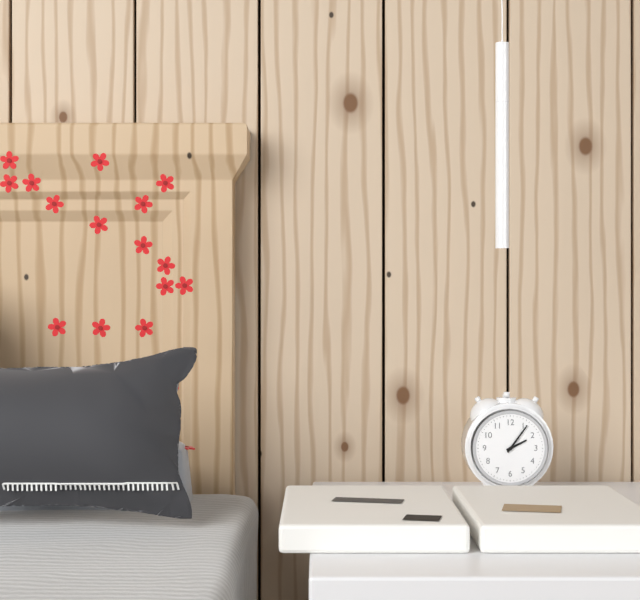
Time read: **2:06**
